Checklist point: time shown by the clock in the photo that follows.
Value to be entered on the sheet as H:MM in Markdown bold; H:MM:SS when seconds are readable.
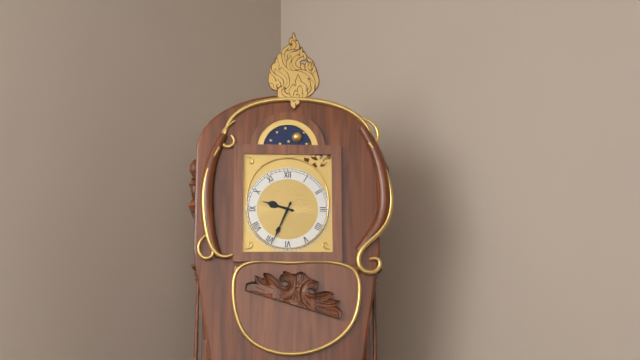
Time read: **9:34**
